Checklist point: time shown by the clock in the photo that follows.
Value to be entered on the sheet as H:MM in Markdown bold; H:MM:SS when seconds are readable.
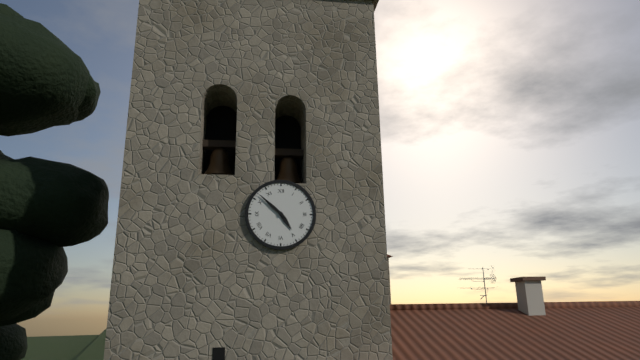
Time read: **4:52**
